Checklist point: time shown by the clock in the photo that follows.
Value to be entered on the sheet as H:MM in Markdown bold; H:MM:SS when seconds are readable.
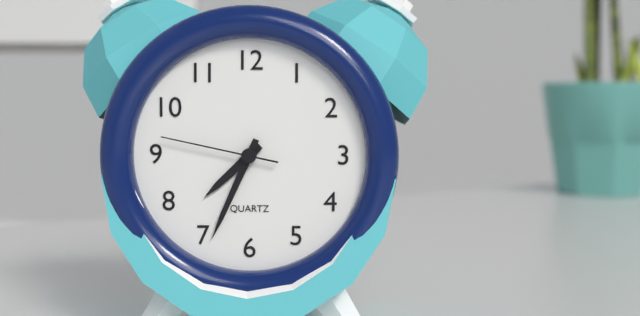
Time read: **7:34:47**
